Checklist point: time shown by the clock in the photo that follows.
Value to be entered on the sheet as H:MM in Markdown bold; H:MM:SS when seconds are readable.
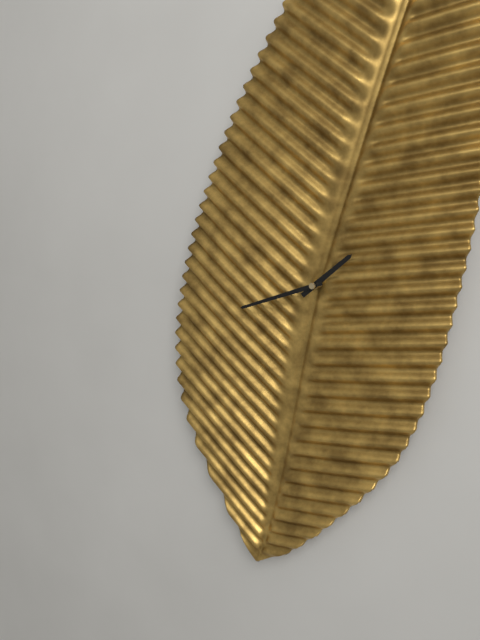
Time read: **1:42**
